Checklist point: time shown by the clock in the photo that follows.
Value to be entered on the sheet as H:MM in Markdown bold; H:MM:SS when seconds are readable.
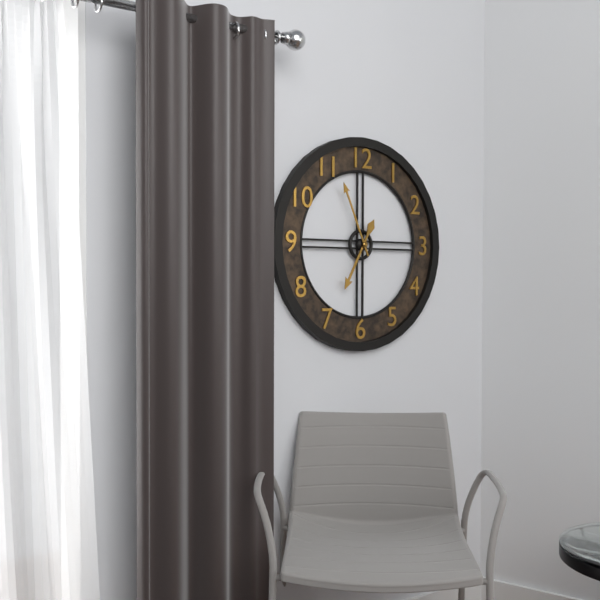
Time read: **6:56**
